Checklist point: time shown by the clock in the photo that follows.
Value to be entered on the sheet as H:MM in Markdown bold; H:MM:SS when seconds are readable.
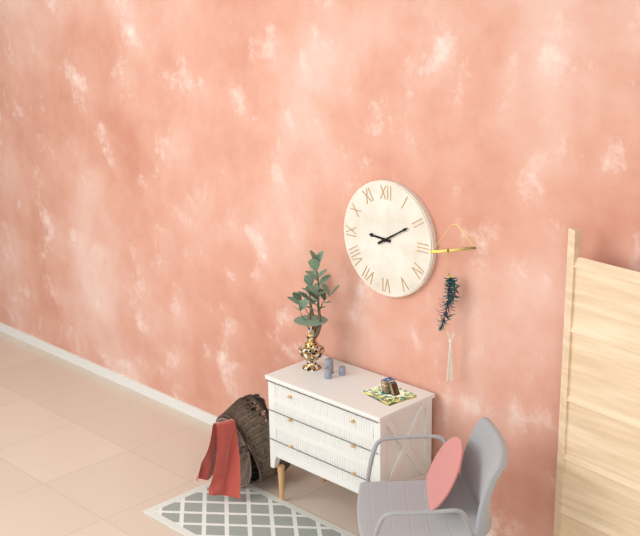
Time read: **9:10**
